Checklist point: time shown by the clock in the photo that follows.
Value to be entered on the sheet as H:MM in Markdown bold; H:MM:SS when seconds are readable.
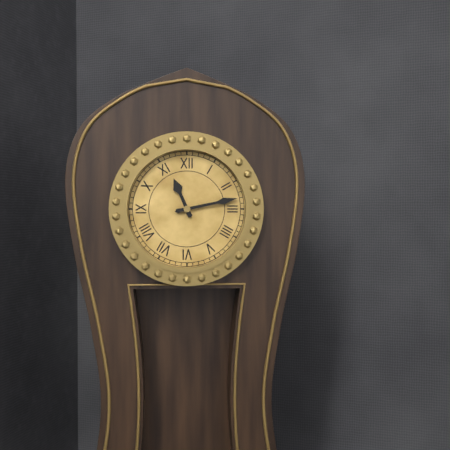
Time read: **11:13**
